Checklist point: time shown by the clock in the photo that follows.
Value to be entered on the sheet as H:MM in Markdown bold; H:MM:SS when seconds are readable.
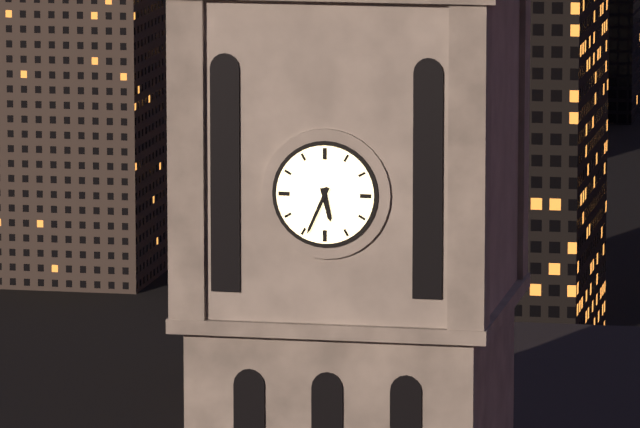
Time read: **5:34**
